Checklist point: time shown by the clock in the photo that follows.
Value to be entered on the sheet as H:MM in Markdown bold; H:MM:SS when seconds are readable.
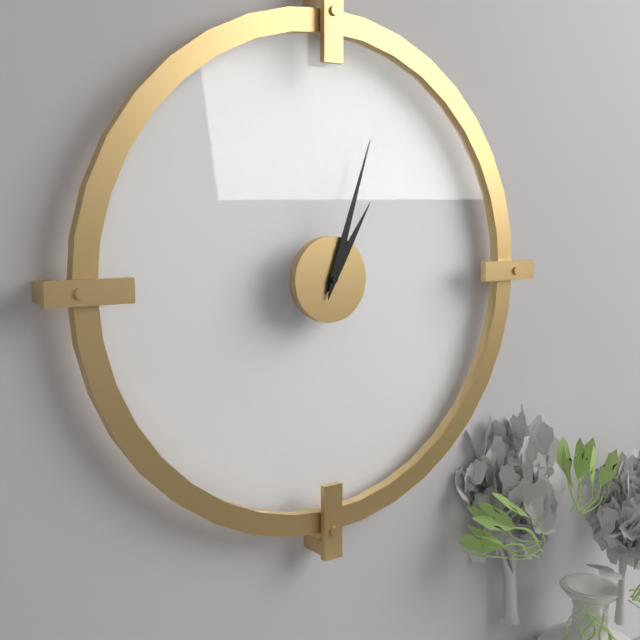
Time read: **1:03**
